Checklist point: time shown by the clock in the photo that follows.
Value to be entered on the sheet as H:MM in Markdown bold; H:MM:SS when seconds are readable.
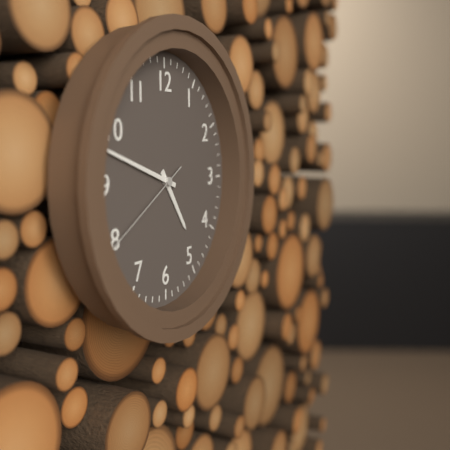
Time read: **4:48:40**
